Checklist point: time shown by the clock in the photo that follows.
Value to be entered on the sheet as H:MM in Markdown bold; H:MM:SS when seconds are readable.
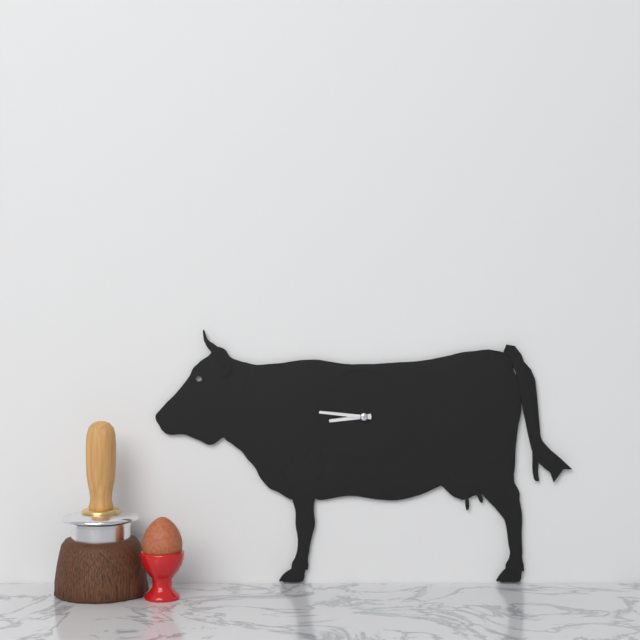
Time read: **8:46**
